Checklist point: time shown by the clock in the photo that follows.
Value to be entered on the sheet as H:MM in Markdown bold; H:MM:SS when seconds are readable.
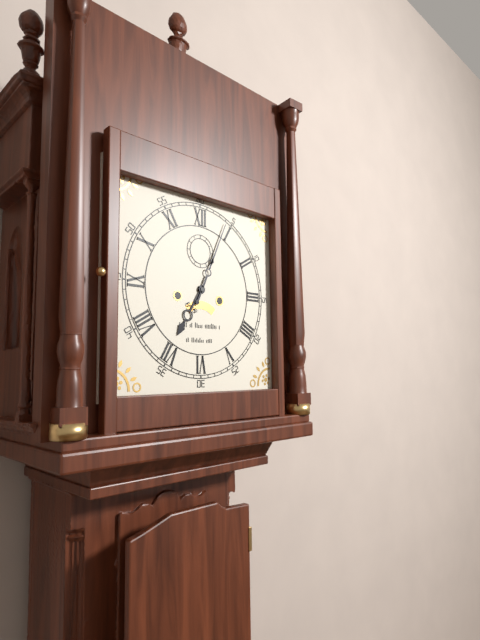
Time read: **7:04**
